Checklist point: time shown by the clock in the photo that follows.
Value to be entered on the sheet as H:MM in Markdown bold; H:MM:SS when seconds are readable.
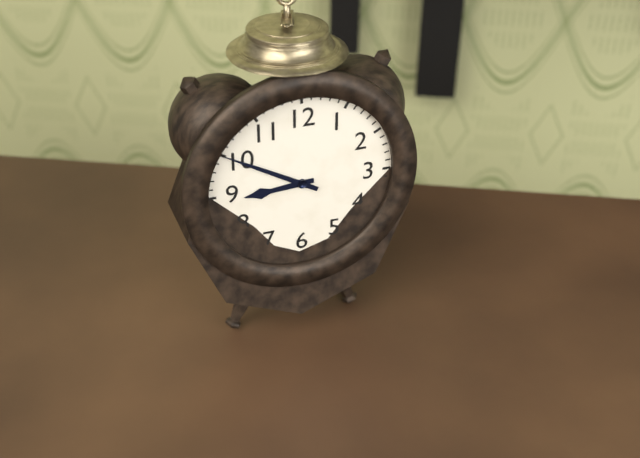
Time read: **8:50**
